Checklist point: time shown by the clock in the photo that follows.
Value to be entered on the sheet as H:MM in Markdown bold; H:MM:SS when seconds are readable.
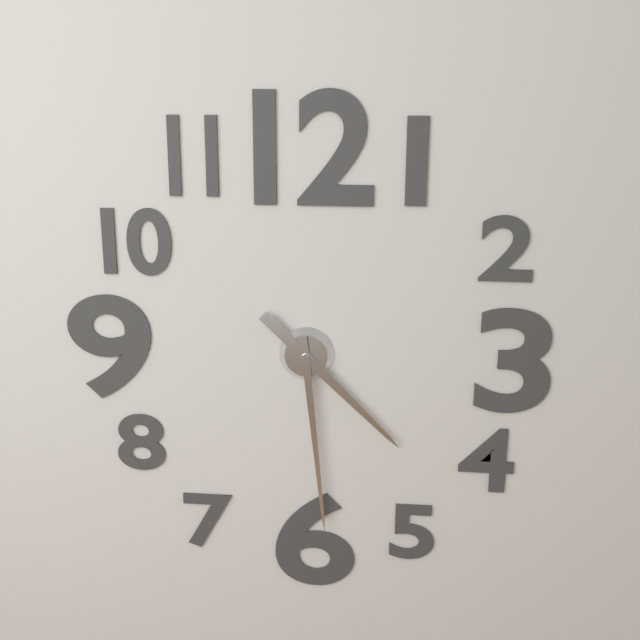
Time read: **4:29**
